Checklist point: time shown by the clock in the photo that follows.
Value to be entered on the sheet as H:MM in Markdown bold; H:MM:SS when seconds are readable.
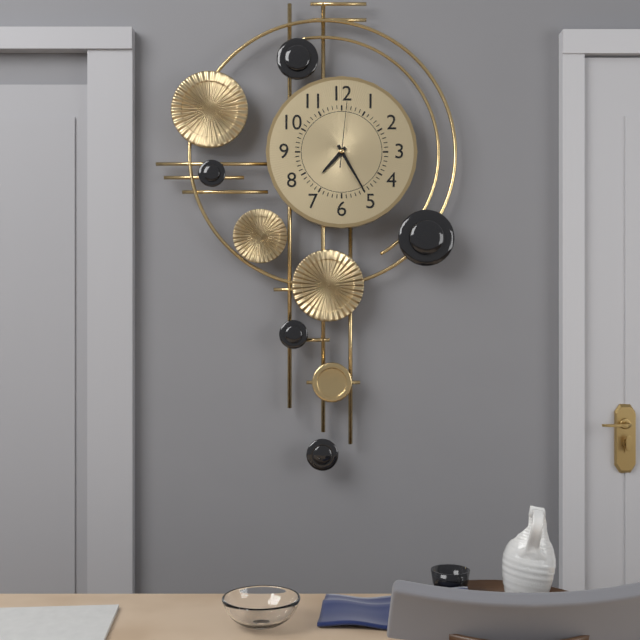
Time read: **7:25:01**
